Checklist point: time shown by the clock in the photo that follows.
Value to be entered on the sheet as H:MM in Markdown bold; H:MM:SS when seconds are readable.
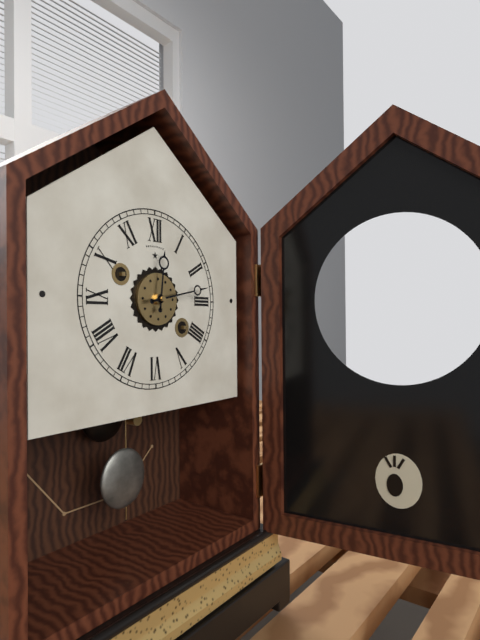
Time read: **12:13**
